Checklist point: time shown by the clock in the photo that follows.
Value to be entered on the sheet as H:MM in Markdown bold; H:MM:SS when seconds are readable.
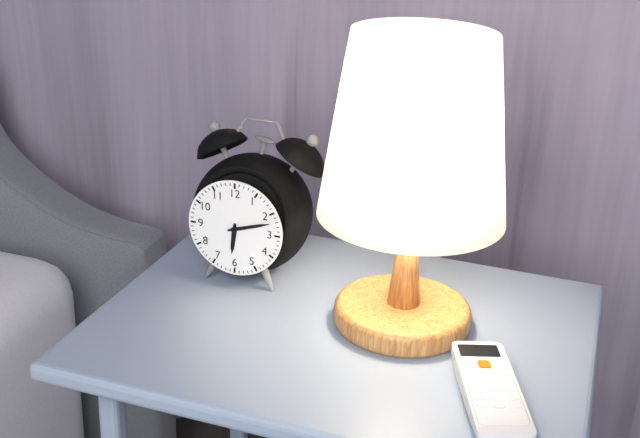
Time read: **6:12**
